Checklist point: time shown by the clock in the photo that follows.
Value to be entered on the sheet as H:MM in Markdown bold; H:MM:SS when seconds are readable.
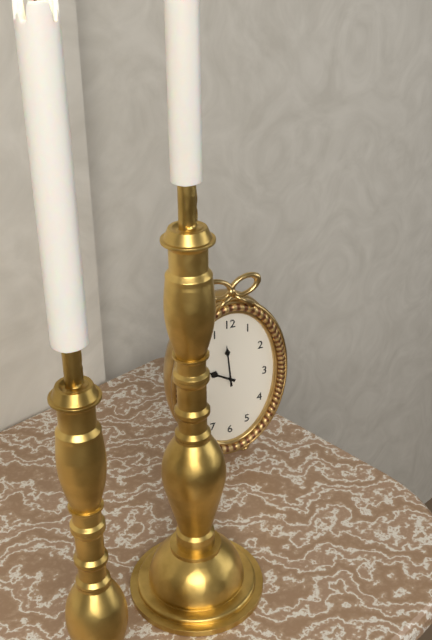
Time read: **9:59**
